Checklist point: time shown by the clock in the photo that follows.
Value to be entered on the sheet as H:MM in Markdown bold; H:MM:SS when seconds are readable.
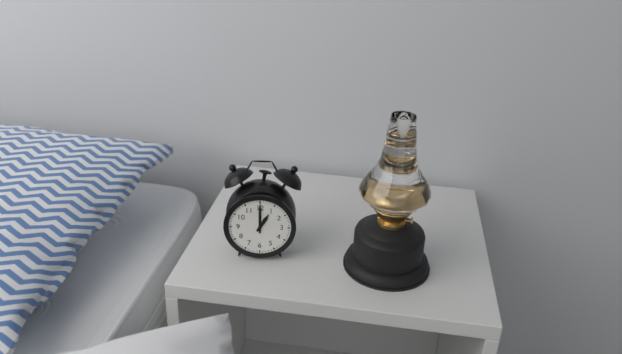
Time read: **1:00**
